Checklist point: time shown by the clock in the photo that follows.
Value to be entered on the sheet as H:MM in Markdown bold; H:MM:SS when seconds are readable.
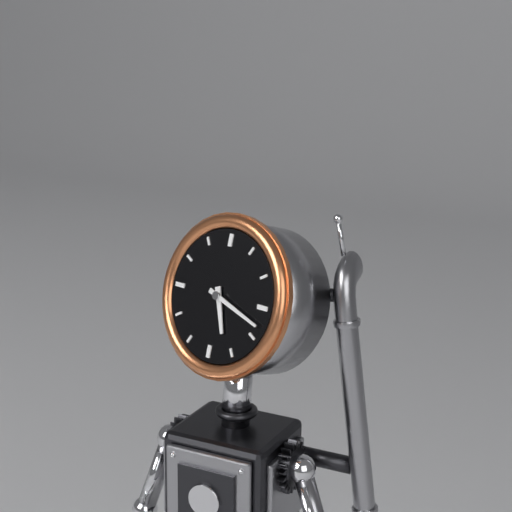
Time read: **5:18**
